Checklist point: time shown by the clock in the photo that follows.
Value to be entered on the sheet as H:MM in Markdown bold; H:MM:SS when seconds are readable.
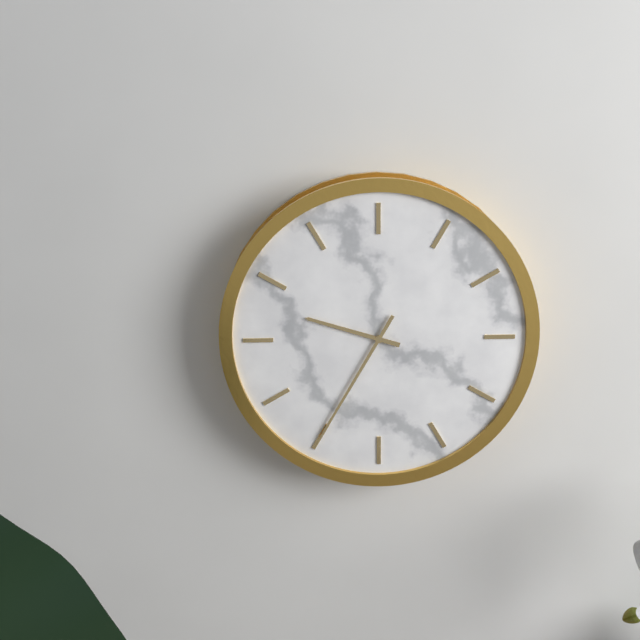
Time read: **9:35**
